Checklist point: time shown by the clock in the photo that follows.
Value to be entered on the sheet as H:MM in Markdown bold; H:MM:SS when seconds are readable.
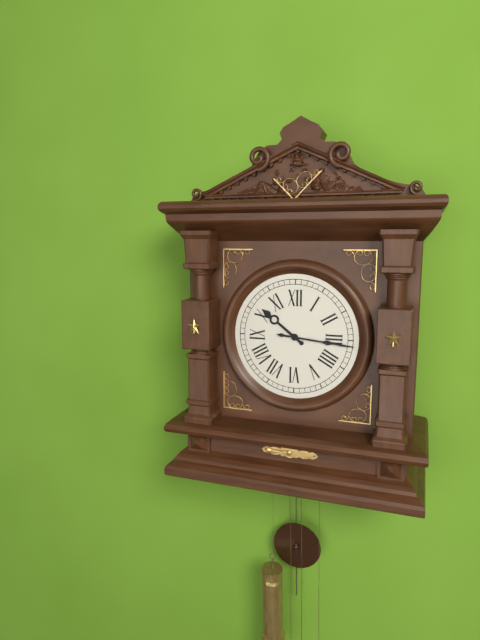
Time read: **10:16**
